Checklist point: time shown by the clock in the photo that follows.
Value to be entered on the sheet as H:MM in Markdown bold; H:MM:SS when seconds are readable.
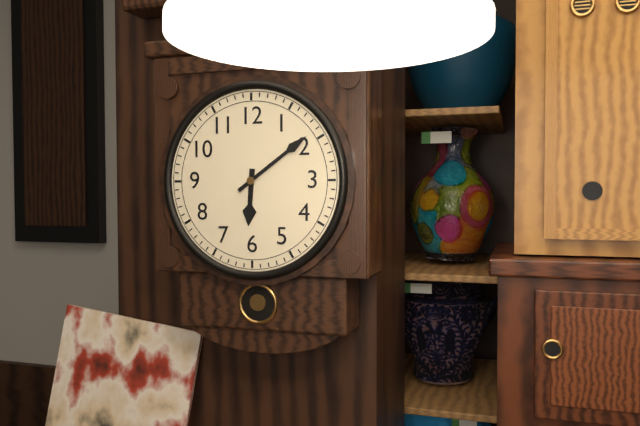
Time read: **6:09**
